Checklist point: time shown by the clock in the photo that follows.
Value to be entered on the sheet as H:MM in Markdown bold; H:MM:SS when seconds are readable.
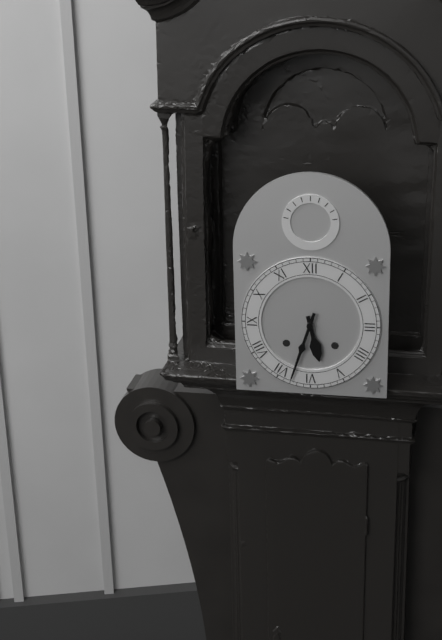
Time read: **5:33**
